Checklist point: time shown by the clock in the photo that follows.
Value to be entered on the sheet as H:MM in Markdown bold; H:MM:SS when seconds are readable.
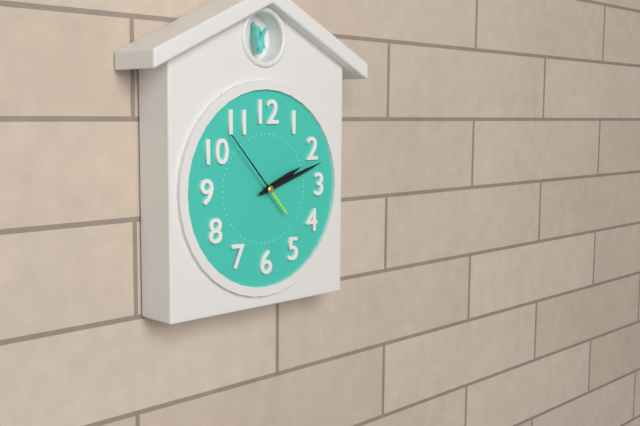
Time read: **2:12:53**
